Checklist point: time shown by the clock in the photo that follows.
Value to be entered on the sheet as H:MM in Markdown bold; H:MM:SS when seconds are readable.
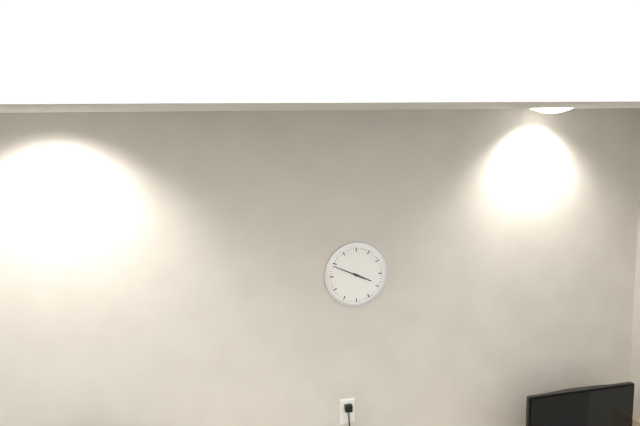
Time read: **3:49**
